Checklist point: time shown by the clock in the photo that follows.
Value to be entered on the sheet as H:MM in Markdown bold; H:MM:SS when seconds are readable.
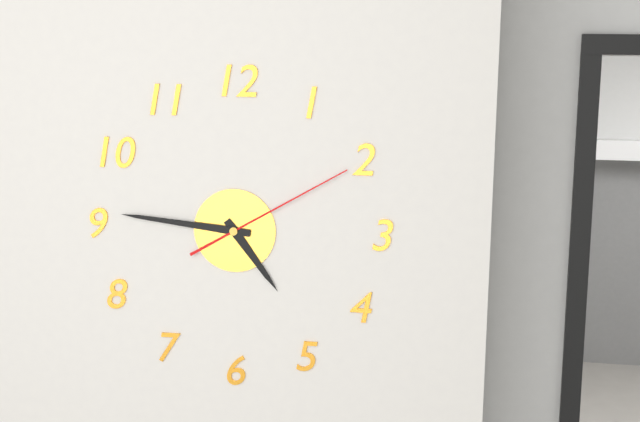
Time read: **4:46:10**
